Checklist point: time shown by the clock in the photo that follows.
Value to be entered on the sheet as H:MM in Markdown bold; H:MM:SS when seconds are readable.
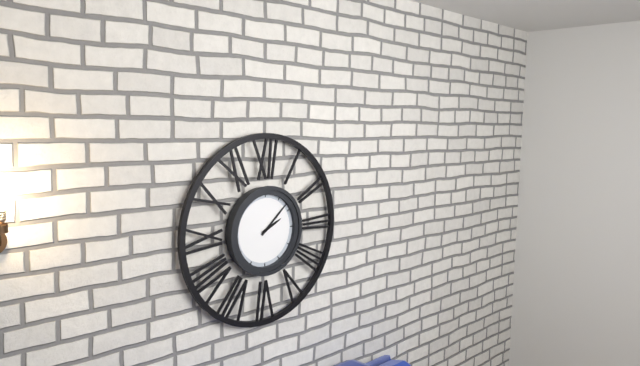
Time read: **2:08**
